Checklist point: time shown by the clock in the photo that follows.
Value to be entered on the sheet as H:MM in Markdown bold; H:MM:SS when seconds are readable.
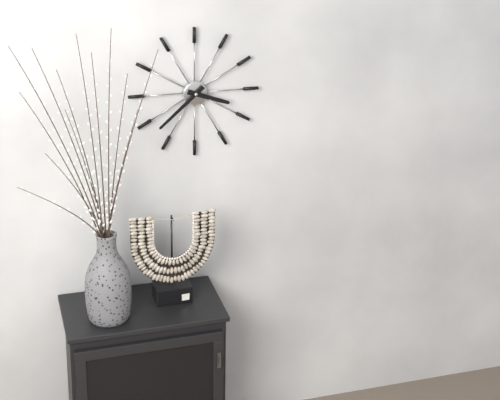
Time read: **3:38**
